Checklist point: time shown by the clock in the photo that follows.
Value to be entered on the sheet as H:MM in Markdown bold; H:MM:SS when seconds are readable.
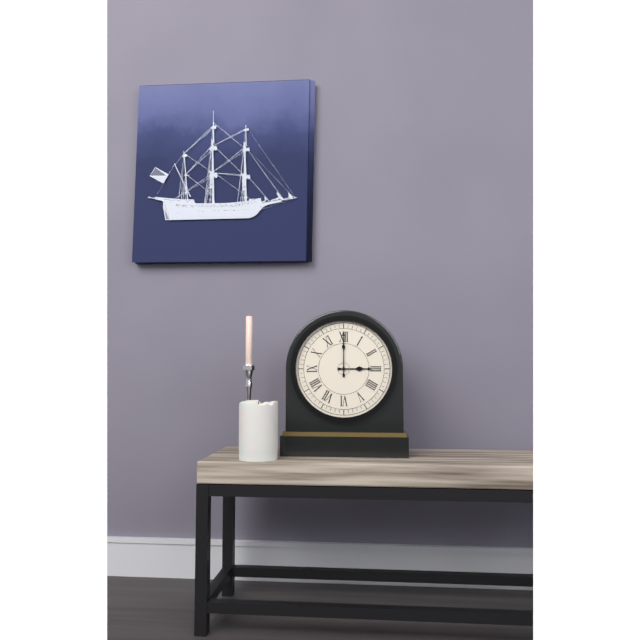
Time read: **3:00**
